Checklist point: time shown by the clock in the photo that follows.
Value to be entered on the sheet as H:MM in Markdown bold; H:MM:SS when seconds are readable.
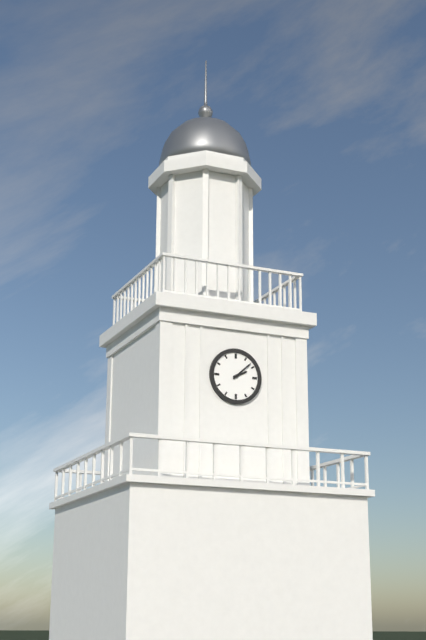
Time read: **2:08**
